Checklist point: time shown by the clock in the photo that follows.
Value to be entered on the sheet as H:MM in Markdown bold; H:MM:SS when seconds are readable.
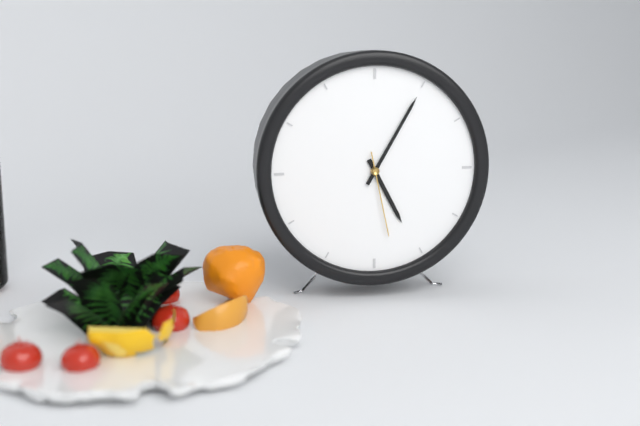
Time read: **5:05:28**
